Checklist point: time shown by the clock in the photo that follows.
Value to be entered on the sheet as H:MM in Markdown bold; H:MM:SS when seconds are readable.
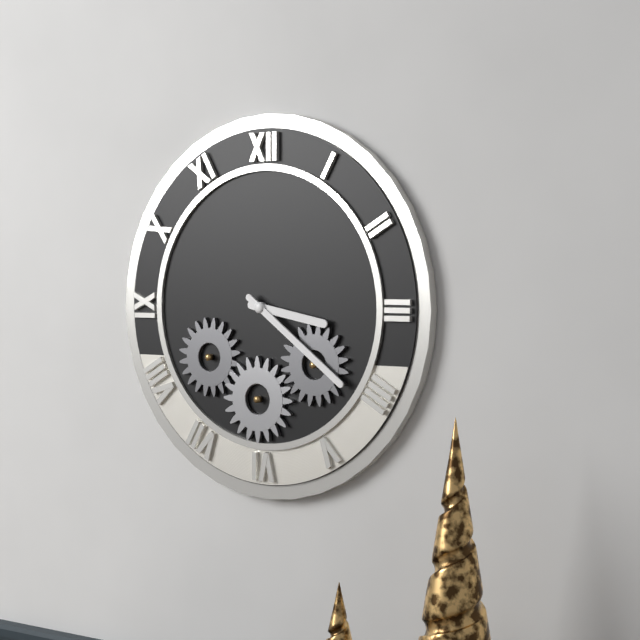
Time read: **3:21**
